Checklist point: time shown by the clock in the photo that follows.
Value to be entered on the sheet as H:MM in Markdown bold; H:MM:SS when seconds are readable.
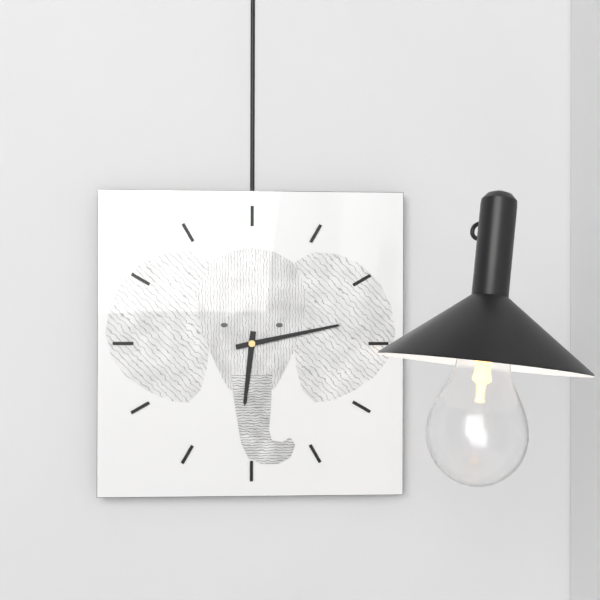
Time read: **6:13**
